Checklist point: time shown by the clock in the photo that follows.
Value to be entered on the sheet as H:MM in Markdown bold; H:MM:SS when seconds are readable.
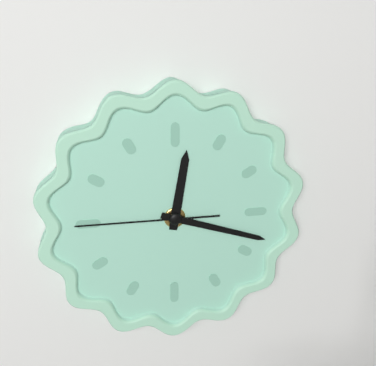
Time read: **12:18:45**
